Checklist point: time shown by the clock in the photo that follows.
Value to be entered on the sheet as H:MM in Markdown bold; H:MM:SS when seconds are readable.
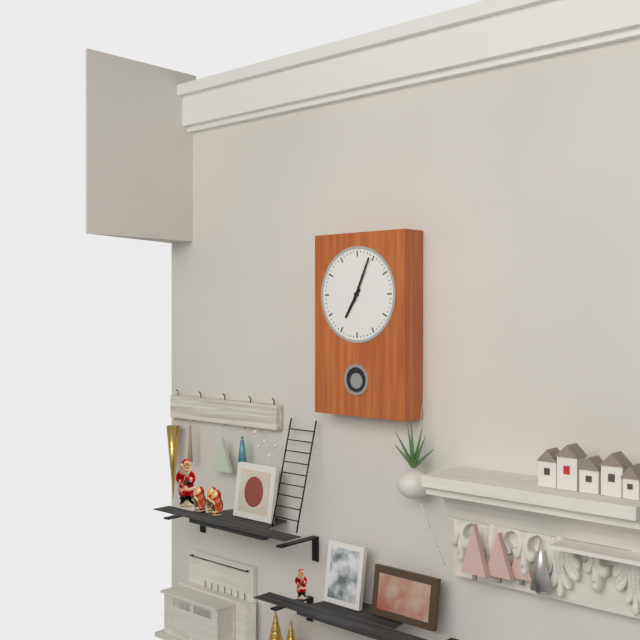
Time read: **7:04**
